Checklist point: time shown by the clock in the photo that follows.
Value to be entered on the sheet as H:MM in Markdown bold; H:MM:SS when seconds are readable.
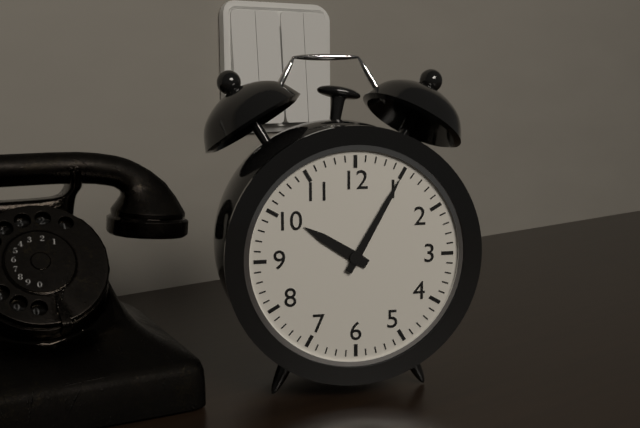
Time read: **10:05**
